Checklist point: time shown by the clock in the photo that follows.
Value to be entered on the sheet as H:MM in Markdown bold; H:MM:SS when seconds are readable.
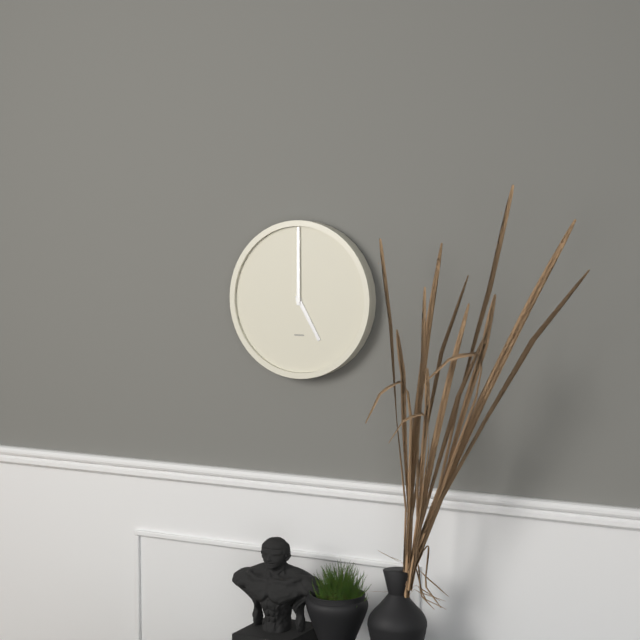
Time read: **5:00**
